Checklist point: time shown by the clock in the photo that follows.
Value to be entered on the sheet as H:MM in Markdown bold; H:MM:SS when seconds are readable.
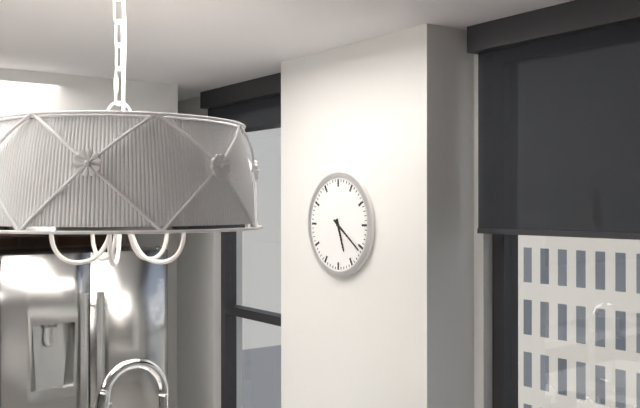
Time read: **5:21**
